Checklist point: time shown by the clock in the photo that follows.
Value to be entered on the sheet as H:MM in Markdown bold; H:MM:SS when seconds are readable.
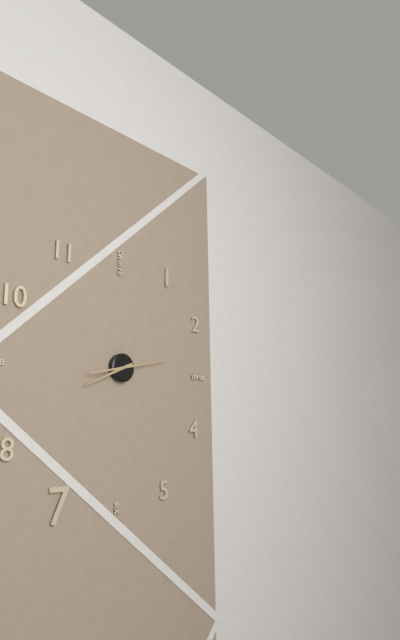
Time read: **8:13**
